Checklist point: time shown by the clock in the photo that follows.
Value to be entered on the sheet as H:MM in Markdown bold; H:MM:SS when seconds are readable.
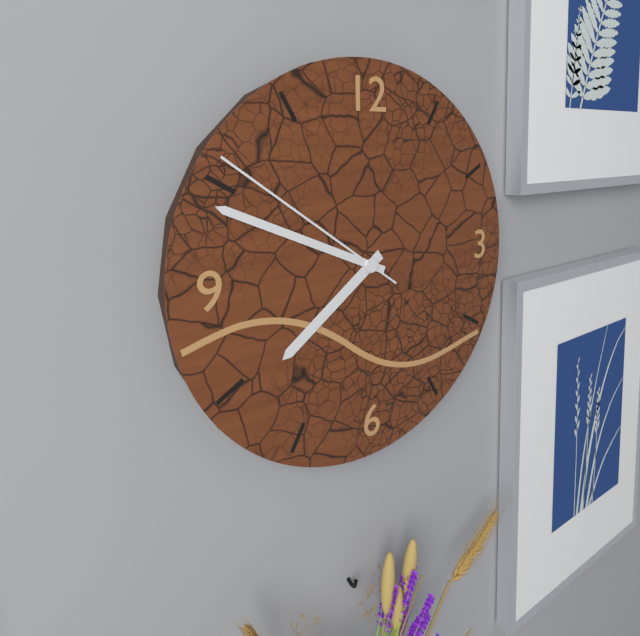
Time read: **7:49:51**
